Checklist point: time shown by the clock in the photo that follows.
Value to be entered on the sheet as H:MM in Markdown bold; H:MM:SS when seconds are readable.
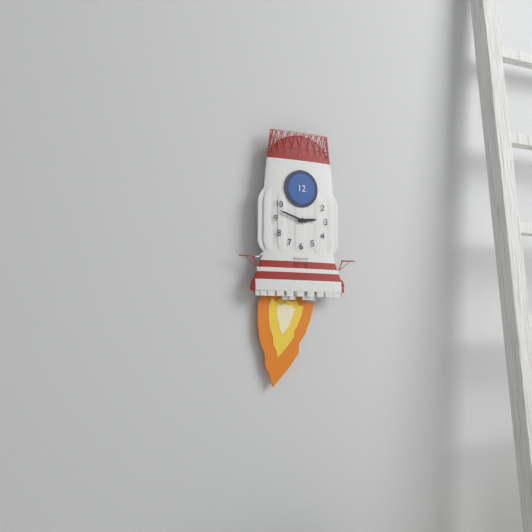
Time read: **2:48**
